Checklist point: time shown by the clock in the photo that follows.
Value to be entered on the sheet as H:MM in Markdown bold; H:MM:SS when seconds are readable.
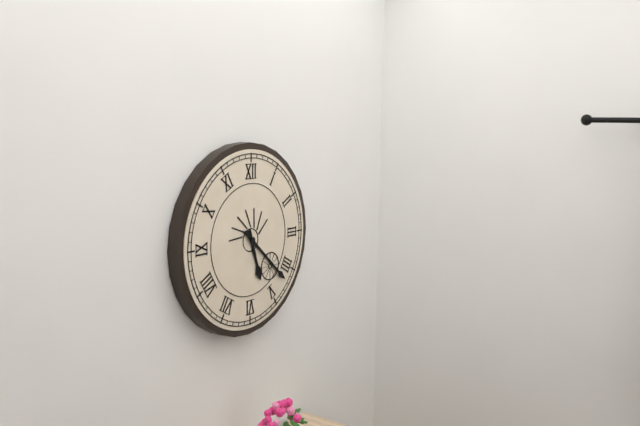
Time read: **5:22**
